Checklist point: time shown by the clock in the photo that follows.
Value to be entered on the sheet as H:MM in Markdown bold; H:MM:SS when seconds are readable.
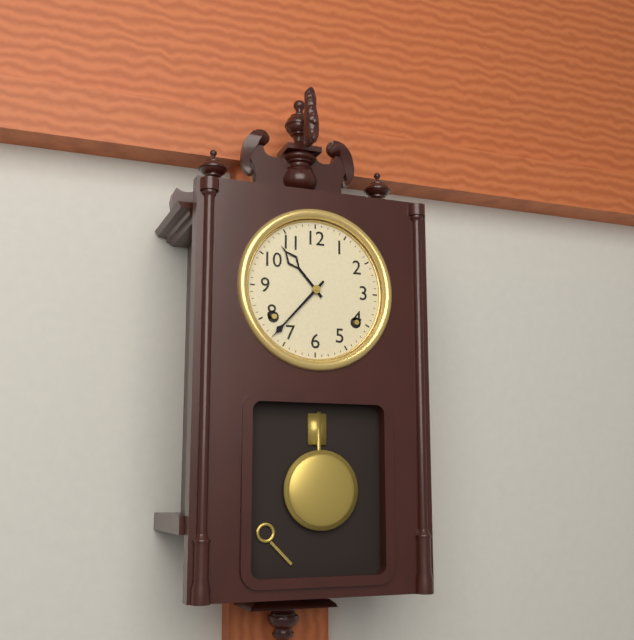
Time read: **10:37**
